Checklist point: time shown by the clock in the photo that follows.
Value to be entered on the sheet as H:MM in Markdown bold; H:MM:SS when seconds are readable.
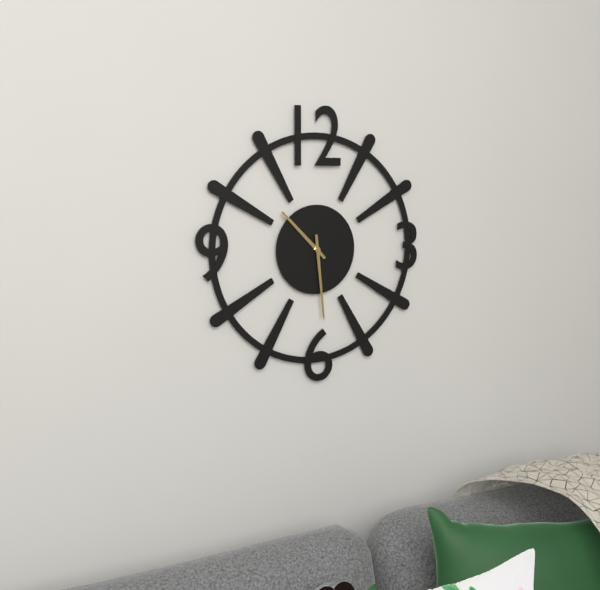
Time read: **10:29**
